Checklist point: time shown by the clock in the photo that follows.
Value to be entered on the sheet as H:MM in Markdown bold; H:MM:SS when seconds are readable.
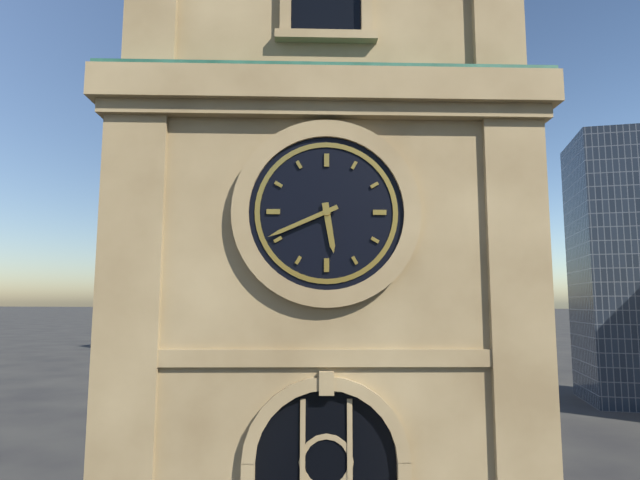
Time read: **5:41**
